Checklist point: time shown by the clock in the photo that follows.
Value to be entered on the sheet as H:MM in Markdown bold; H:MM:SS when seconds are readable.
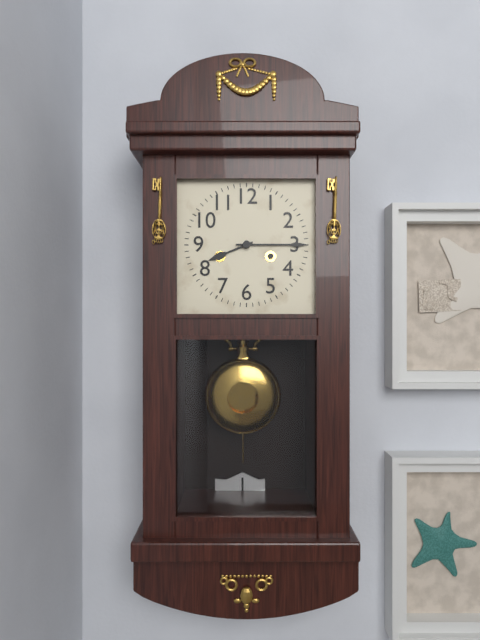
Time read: **8:15**
